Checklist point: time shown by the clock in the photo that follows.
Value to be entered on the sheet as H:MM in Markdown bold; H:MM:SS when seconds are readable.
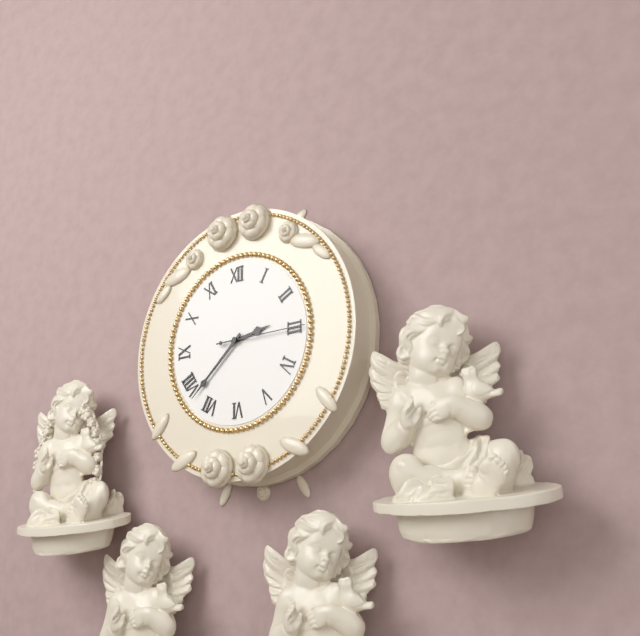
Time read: **2:38:15**
